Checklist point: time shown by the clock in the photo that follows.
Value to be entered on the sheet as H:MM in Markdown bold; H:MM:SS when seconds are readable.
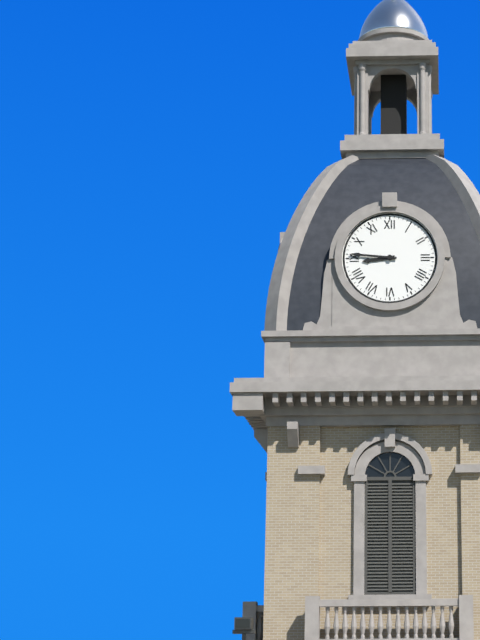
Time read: **8:46**
